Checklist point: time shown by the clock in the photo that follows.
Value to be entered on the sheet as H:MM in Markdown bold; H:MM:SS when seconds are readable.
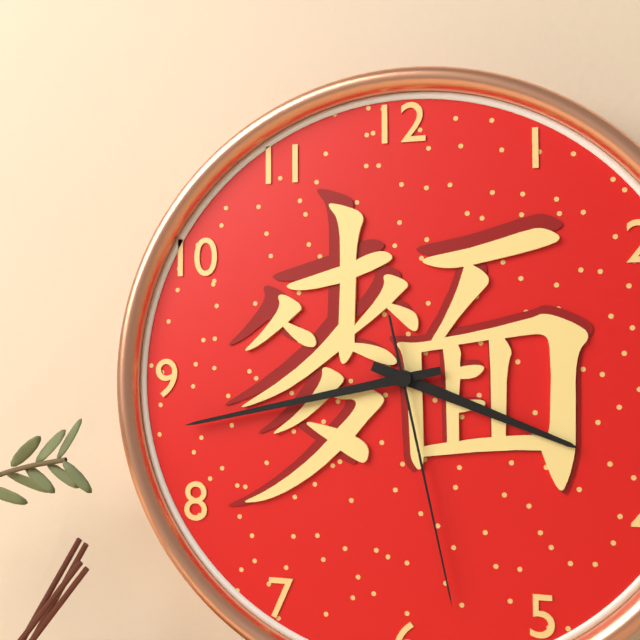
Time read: **3:43:28**
